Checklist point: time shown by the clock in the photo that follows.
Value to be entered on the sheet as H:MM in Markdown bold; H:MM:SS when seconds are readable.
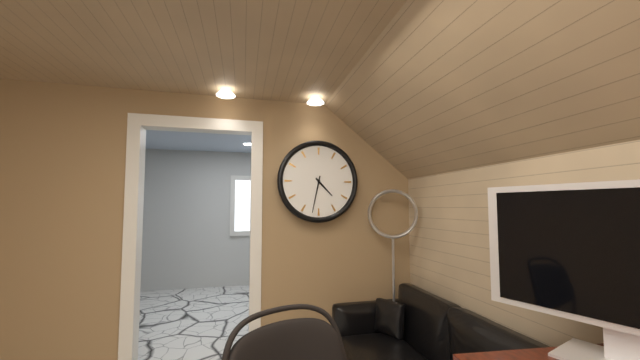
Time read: **4:32**
